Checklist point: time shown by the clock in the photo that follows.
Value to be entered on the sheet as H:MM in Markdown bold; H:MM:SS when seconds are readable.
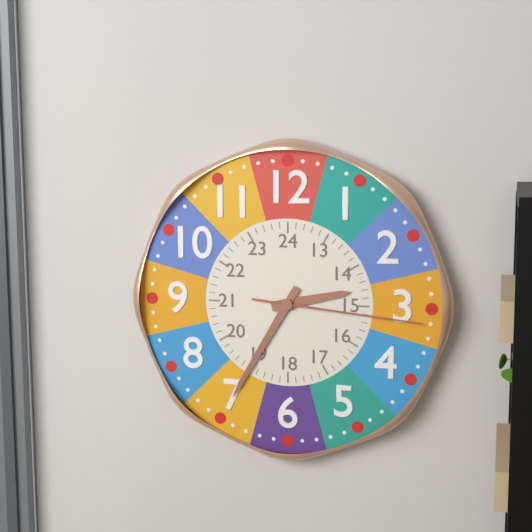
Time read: **2:35:16**
